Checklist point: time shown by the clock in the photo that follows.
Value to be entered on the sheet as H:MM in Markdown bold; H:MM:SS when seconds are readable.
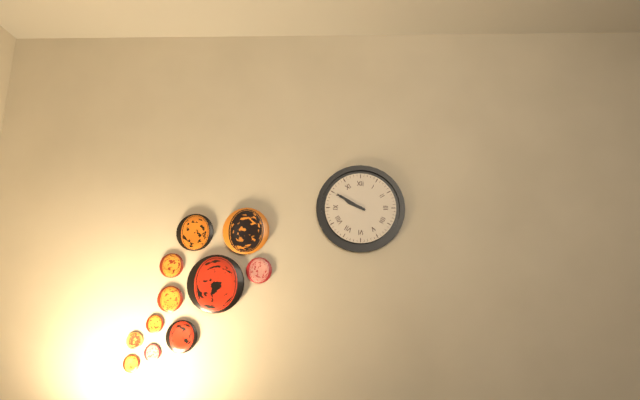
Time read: **9:50**
